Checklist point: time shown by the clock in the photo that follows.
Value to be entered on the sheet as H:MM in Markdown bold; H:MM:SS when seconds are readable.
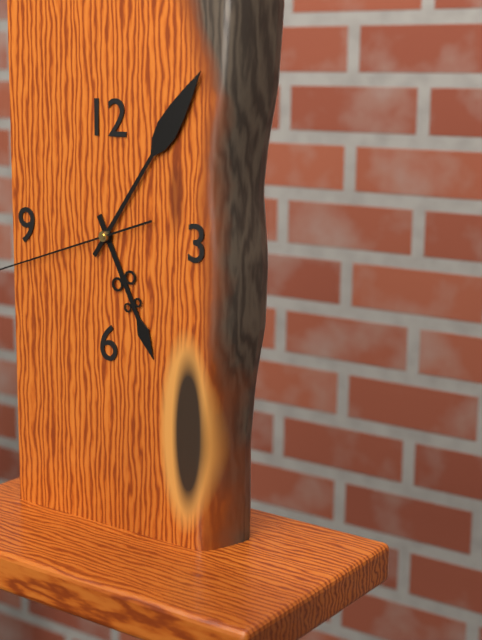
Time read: **5:06**
